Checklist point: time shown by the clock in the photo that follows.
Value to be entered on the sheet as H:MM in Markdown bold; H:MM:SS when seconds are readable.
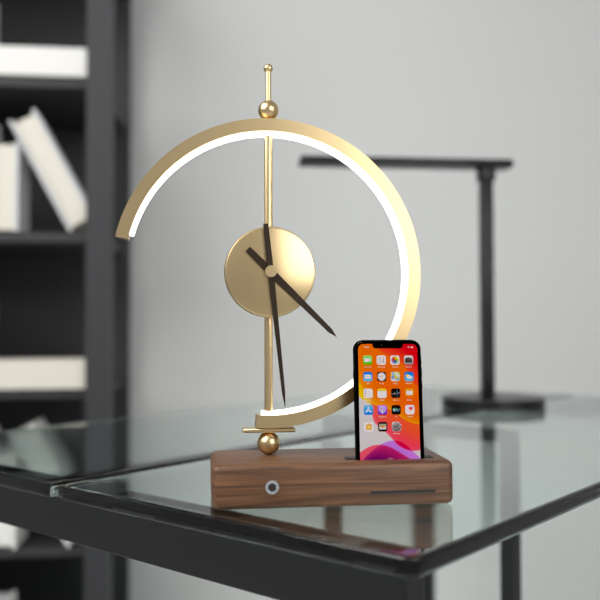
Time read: **4:29**
